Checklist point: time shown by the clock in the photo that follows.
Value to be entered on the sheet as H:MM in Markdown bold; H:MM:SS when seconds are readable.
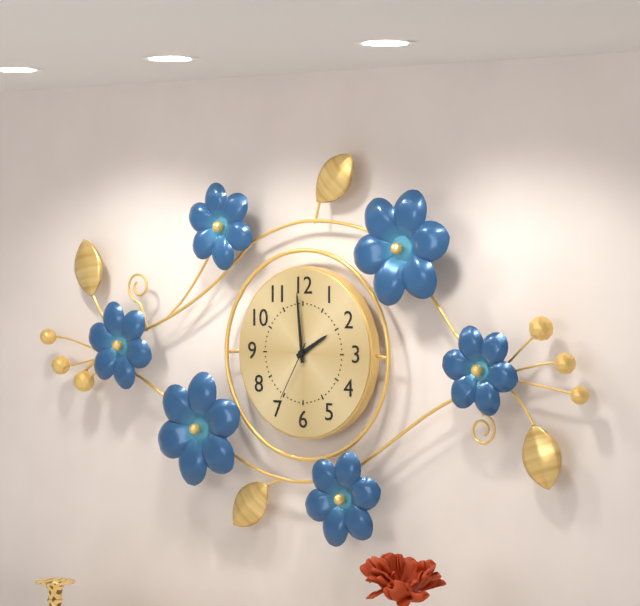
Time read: **1:59:35**
